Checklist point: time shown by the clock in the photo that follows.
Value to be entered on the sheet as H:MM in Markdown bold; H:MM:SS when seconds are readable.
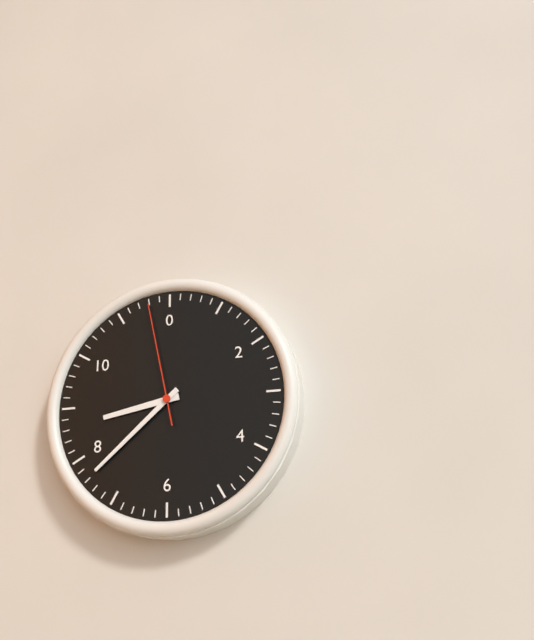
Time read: **8:38:58**
